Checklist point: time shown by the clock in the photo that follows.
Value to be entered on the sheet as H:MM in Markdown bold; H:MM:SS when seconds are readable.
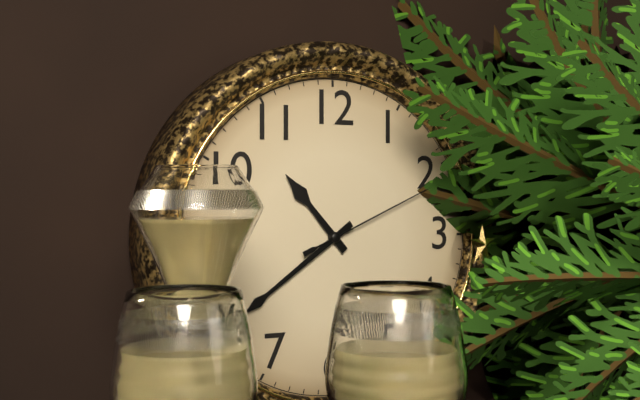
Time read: **10:39:11**
